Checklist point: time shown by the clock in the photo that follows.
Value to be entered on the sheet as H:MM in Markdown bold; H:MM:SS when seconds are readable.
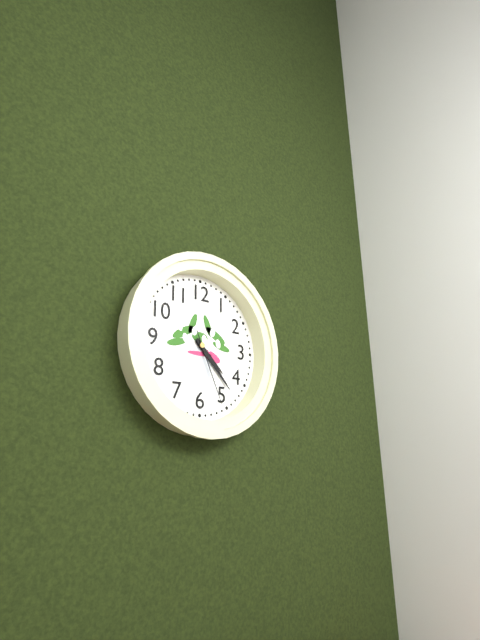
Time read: **4:23:26**
